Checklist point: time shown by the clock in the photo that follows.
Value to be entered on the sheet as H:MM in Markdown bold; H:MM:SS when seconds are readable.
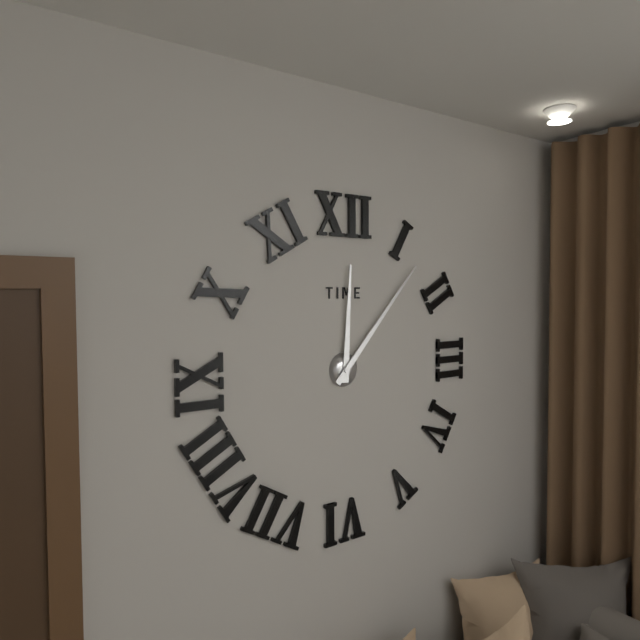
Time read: **12:07**
